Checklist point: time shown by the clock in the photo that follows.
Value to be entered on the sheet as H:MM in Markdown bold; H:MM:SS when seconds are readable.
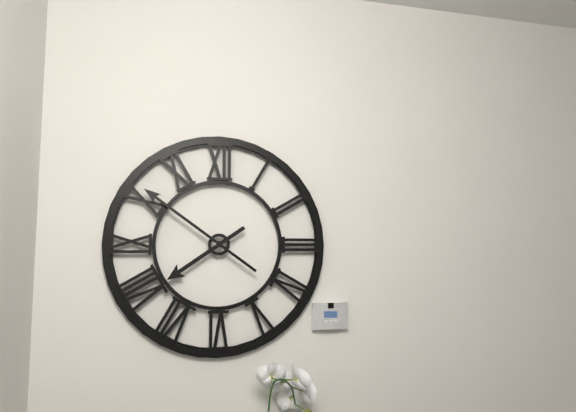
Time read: **7:51**
